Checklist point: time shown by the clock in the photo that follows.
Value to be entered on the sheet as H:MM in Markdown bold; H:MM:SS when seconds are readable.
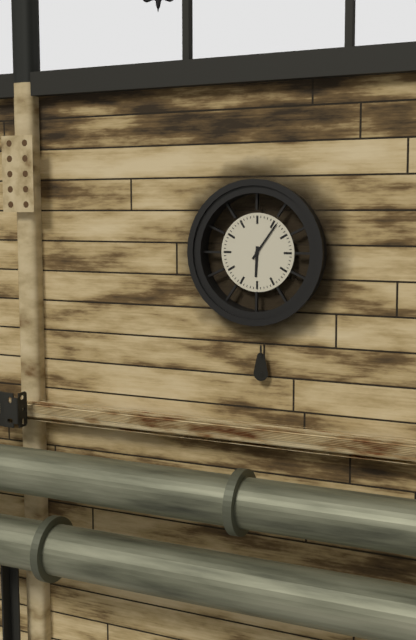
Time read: **6:06**
